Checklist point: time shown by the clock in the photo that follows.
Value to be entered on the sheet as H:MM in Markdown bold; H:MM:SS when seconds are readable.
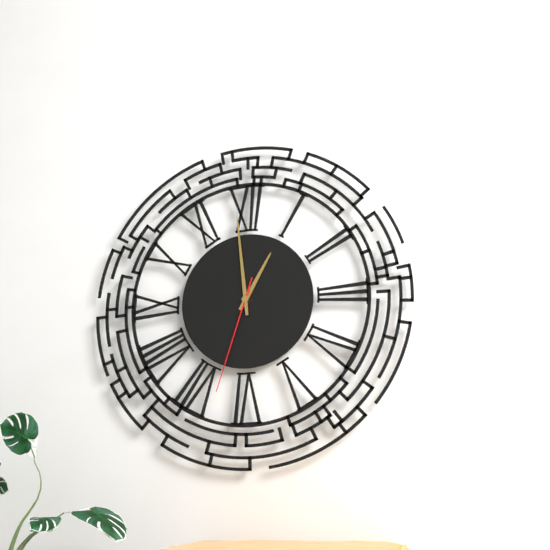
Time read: **12:59:33**
